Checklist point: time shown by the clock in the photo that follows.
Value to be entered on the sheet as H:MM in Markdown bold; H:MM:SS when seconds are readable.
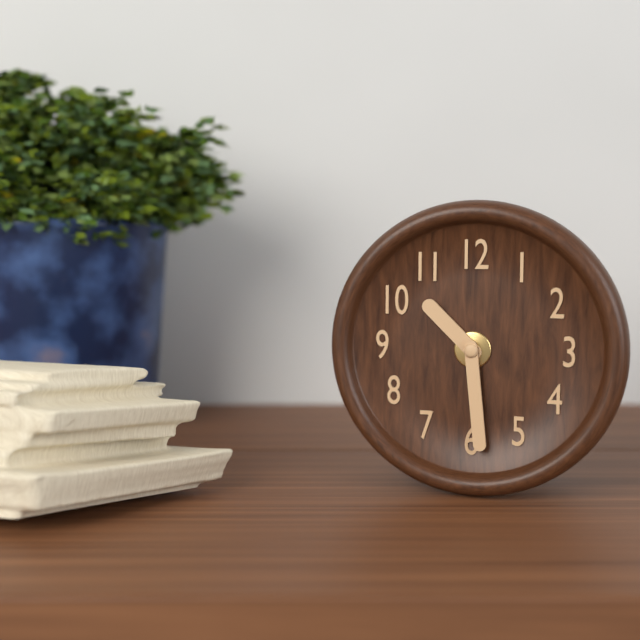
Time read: **10:29**
